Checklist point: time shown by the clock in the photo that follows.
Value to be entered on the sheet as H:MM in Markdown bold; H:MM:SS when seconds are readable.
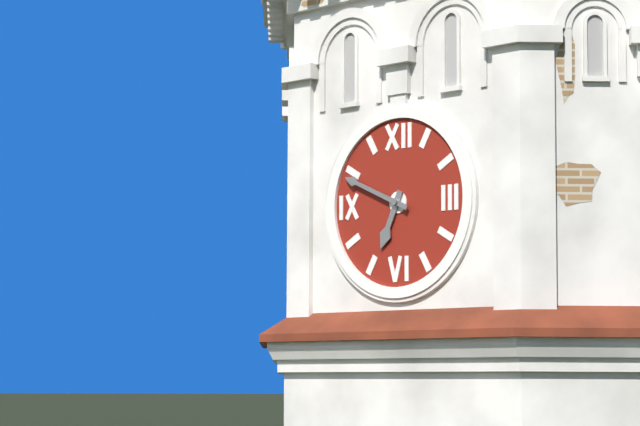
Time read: **6:49**
